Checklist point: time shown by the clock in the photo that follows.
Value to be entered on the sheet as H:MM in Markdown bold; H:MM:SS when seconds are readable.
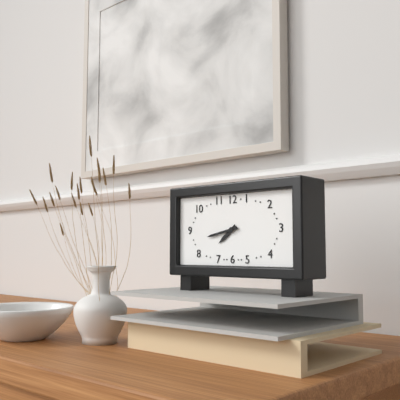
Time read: **7:43**
